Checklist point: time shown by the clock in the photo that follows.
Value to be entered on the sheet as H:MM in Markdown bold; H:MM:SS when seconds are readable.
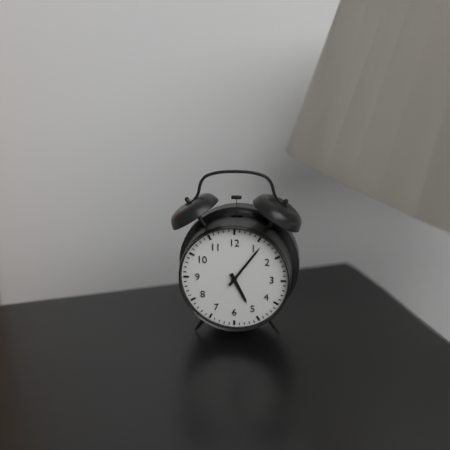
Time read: **5:06**
